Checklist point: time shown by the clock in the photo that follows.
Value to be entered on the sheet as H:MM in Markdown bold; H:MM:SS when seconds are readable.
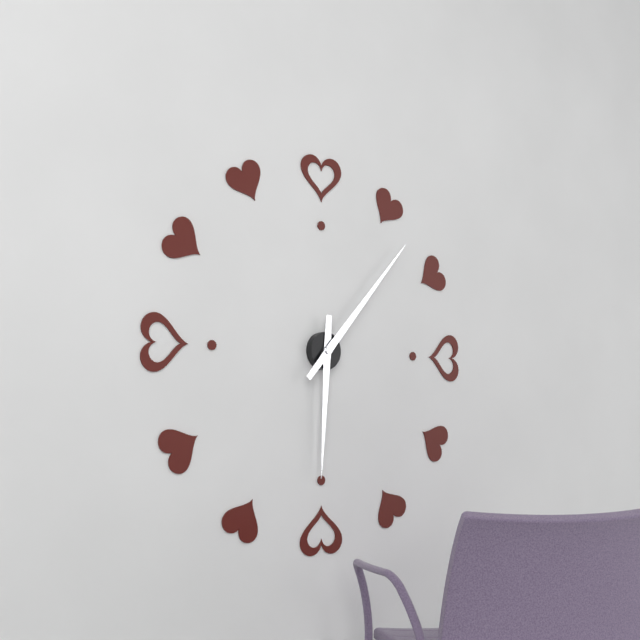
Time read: **6:07**
